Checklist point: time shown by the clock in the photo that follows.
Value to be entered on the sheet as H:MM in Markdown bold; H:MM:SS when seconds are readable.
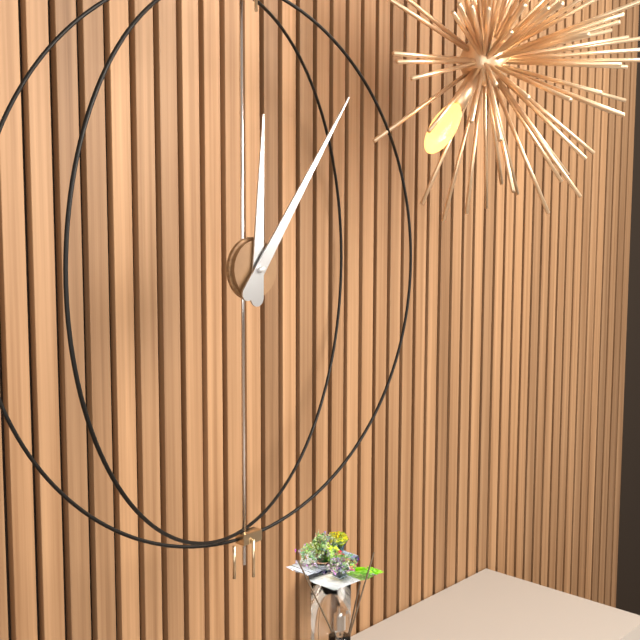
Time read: **12:06**
